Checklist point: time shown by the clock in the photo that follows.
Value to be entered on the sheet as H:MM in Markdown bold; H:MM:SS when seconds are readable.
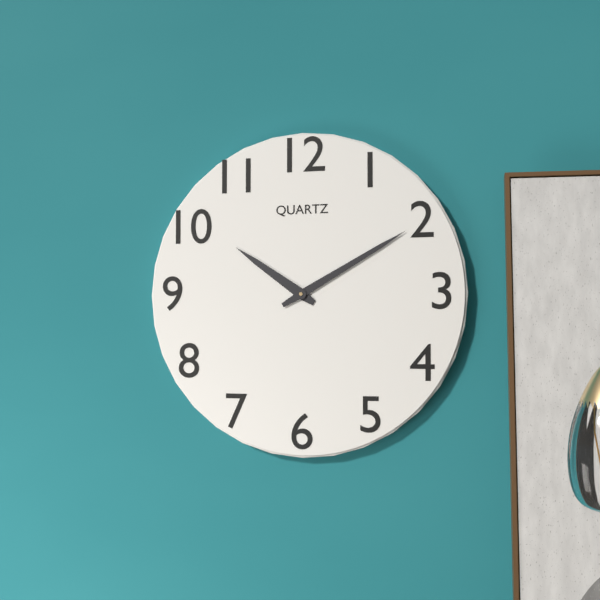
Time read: **10:10**
